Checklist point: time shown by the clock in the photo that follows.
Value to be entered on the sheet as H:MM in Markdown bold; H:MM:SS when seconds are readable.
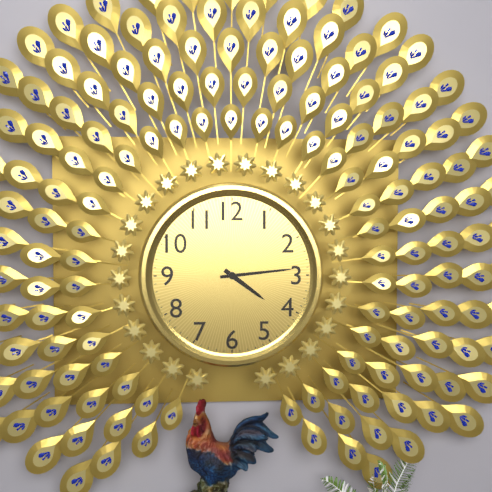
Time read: **4:14**
